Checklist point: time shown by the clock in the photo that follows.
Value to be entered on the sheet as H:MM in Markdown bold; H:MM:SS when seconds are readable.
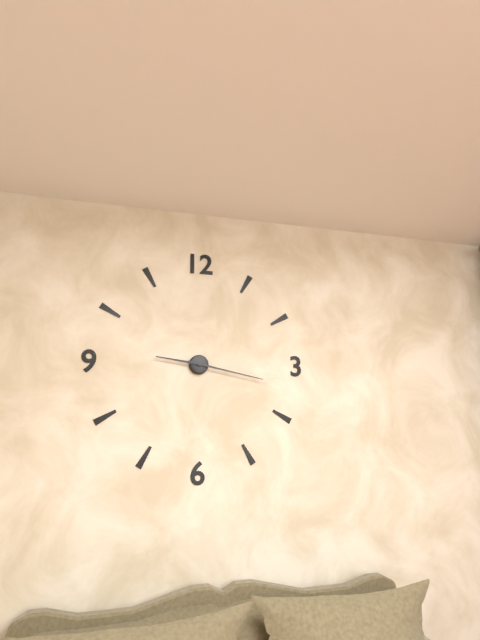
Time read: **9:17**
